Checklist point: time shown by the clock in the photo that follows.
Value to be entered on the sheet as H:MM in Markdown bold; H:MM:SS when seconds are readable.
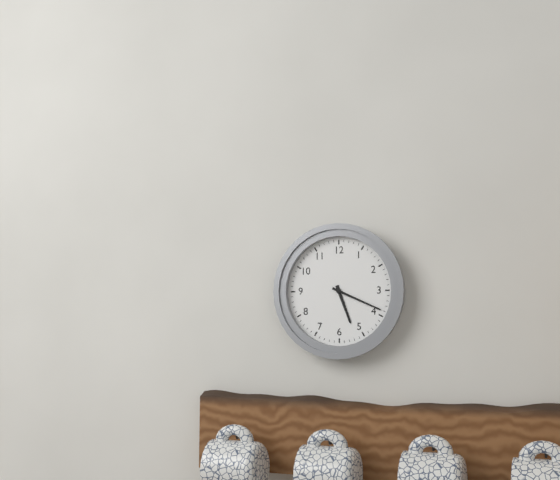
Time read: **5:19**
